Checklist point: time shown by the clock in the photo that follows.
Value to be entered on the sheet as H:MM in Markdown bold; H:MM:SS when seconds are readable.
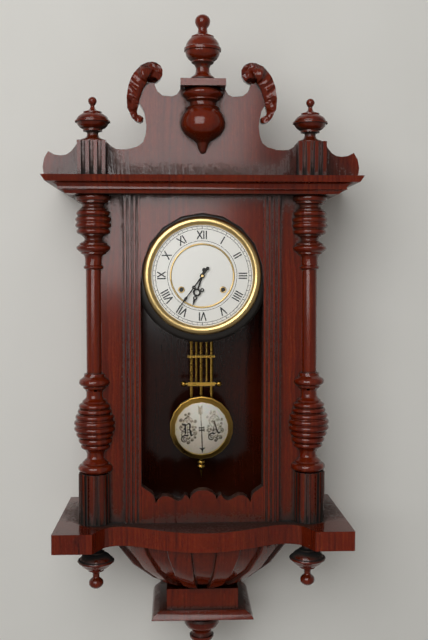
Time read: **6:36**
